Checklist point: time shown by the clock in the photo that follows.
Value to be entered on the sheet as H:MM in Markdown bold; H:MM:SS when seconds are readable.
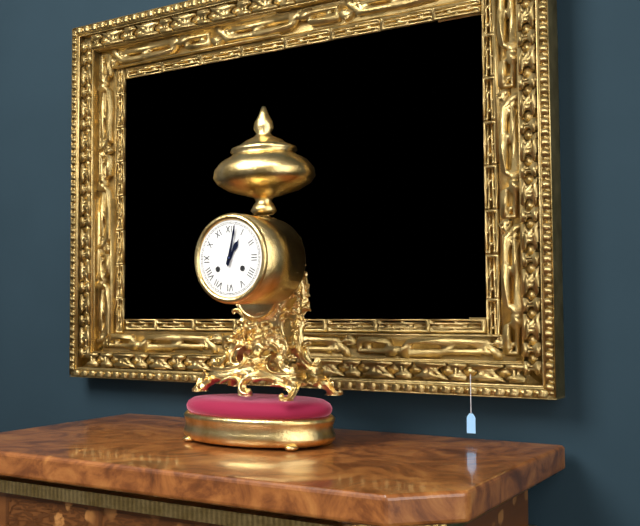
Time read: **1:02**
